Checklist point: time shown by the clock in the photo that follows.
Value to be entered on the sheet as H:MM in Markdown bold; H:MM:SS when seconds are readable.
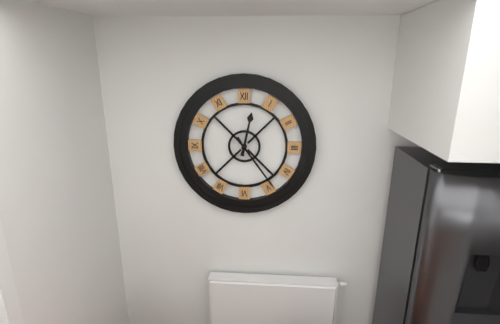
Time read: **12:24**
